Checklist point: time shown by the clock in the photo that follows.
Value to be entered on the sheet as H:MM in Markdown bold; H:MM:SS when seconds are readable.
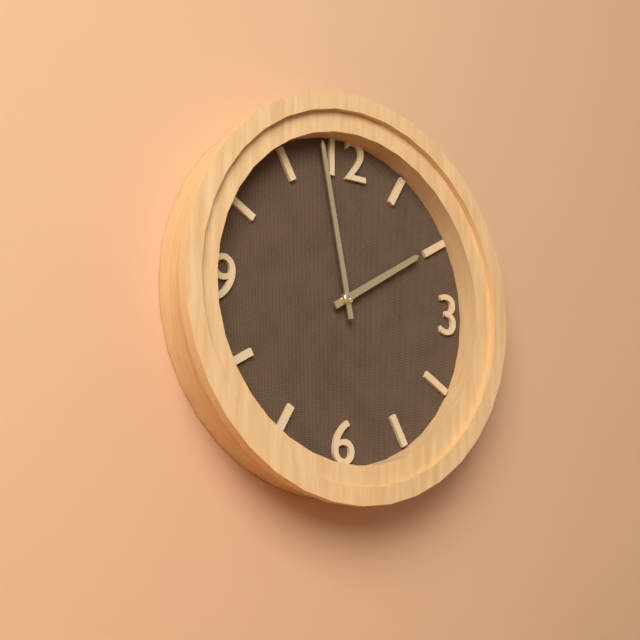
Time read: **1:58**
